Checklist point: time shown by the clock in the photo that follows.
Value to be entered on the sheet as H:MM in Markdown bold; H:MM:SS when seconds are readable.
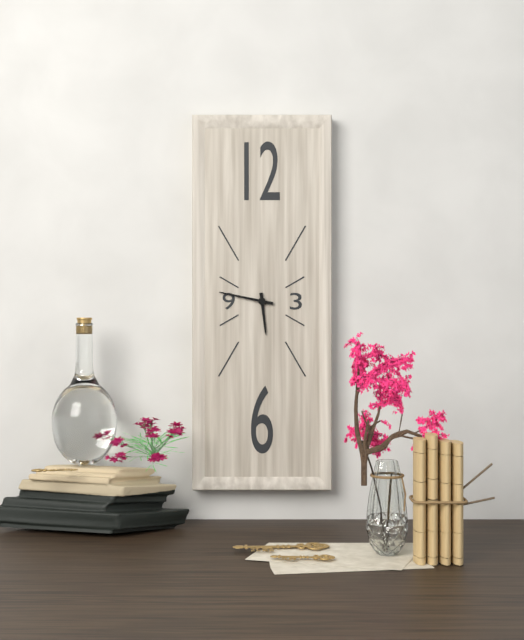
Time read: **5:47**
